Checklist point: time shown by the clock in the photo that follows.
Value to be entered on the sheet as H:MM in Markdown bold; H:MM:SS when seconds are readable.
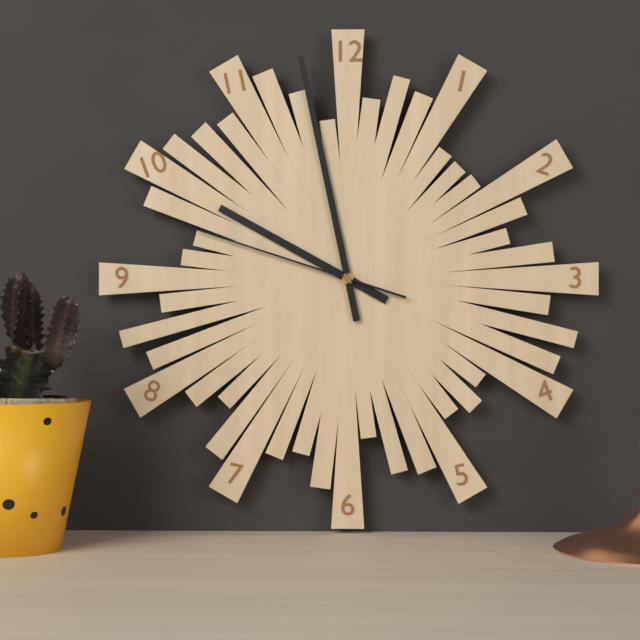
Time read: **9:58:48**
